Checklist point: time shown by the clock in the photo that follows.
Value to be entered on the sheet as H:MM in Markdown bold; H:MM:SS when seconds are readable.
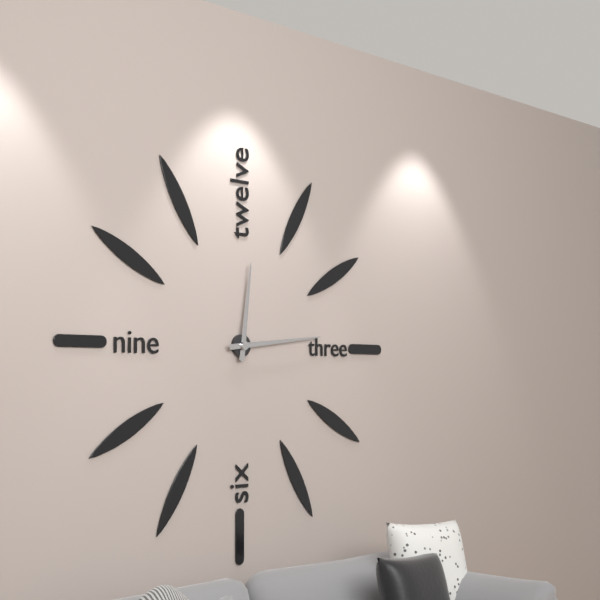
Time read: **12:14**
